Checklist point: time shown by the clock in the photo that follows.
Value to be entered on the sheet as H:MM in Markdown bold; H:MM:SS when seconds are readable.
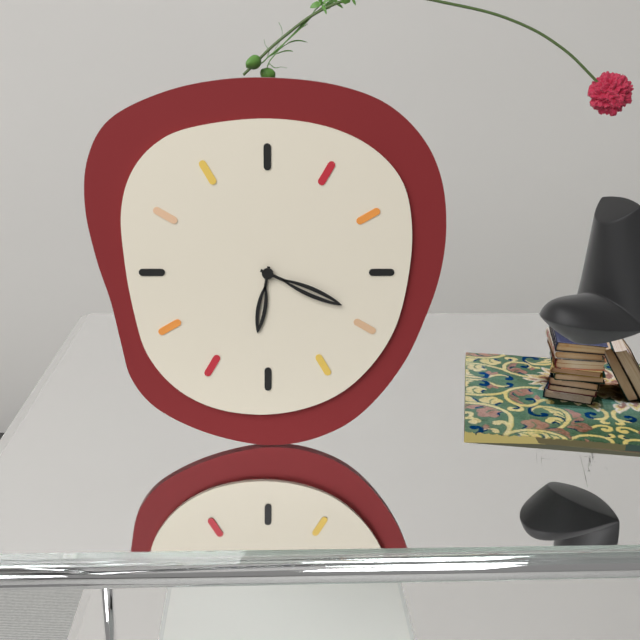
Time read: **6:19**
